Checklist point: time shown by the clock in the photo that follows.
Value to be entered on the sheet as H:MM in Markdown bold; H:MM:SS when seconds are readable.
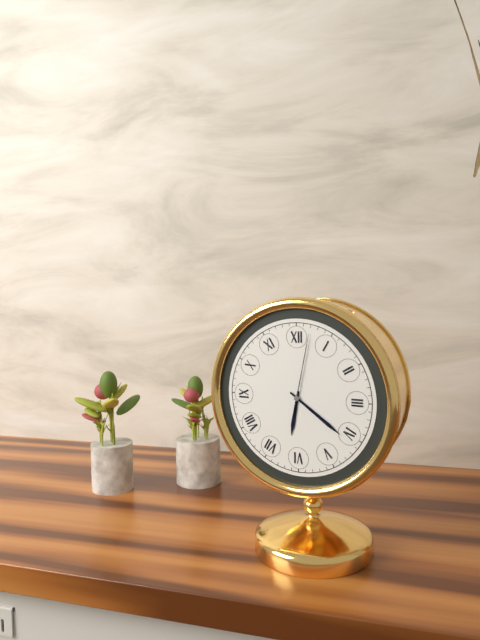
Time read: **6:21:02**
